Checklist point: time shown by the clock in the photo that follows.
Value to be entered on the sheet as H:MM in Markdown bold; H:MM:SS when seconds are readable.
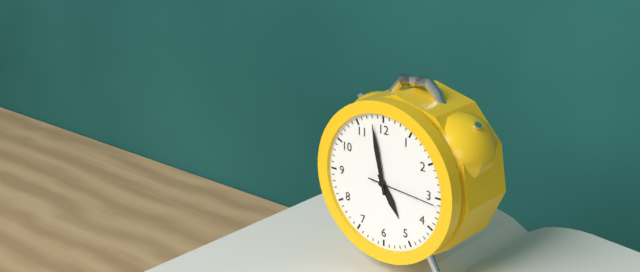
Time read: **4:58:16**
